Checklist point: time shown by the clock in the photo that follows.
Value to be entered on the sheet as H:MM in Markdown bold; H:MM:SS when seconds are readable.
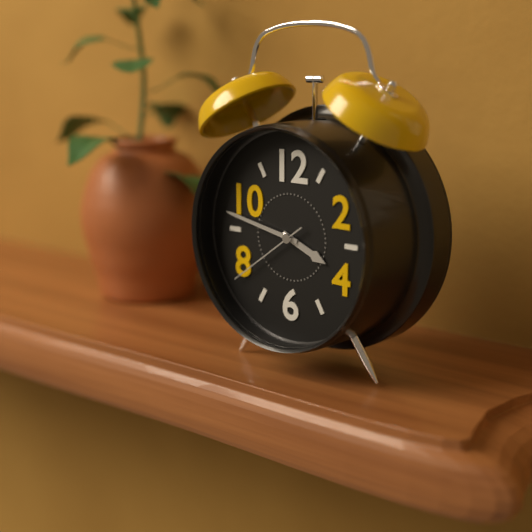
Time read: **3:47:39**
